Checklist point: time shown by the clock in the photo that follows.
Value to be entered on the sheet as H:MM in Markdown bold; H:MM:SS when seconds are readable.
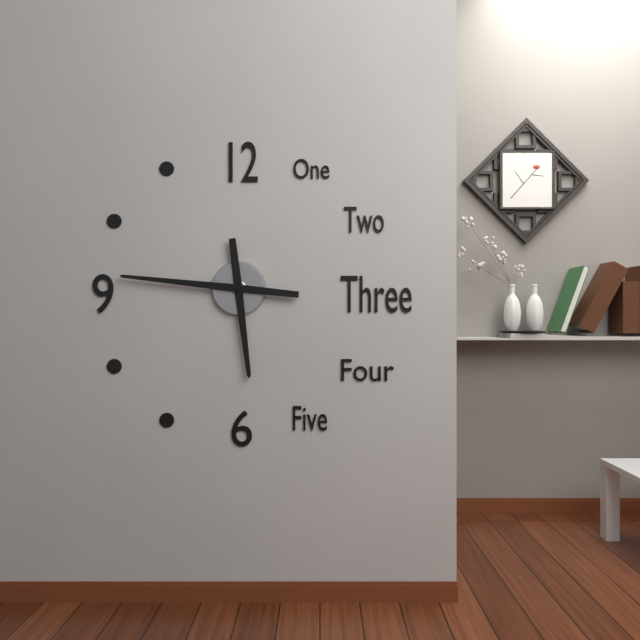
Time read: **5:46**
